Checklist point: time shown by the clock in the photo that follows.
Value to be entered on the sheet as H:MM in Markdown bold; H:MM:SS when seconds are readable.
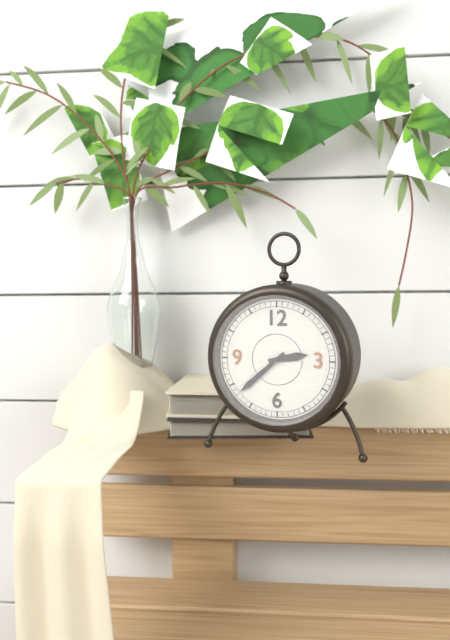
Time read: **2:38**
